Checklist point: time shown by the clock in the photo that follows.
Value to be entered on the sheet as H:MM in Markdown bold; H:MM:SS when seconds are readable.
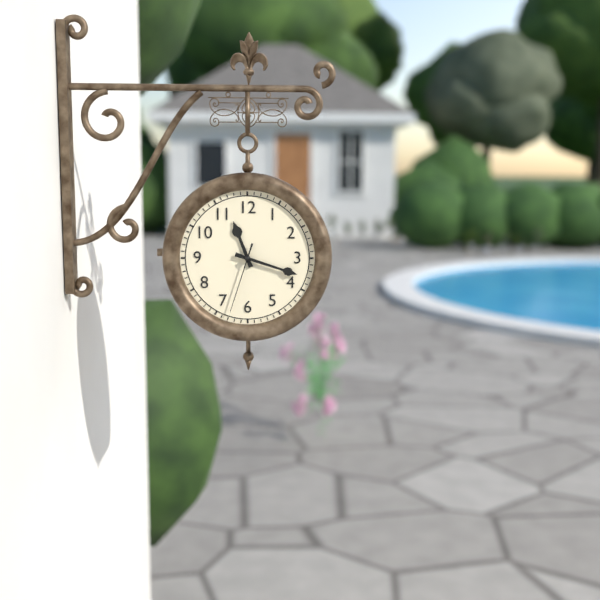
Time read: **11:18:33**
